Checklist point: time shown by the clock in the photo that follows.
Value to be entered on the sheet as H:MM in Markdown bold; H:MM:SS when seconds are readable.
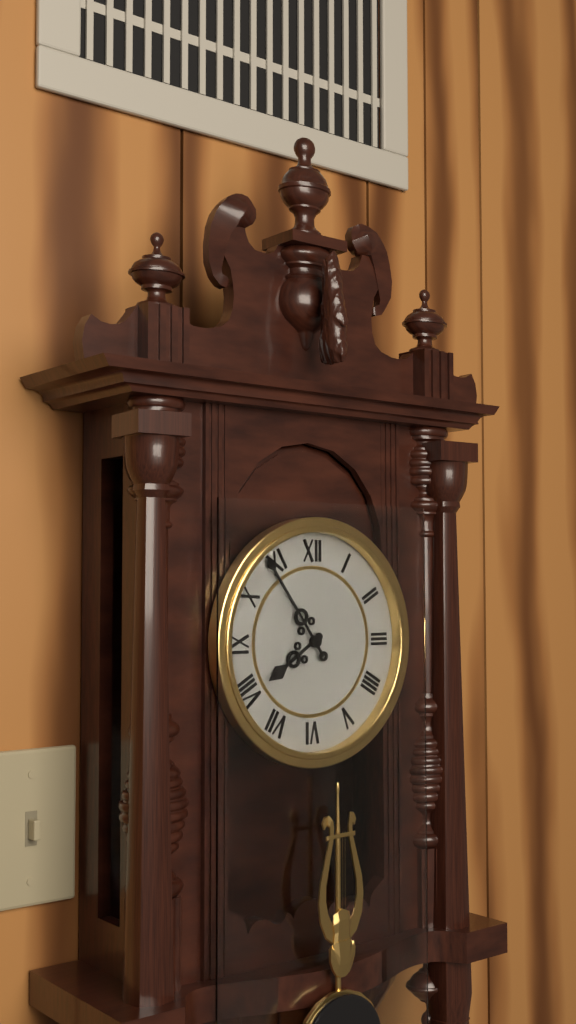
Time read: **7:54**
